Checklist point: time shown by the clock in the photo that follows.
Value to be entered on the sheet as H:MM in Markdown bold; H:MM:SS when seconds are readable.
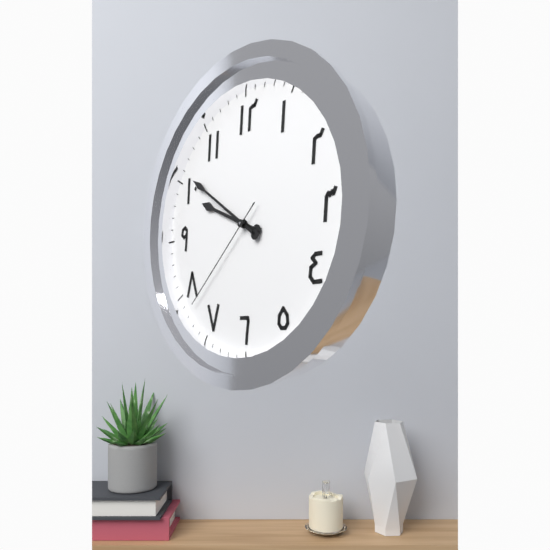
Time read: **9:51:38**
